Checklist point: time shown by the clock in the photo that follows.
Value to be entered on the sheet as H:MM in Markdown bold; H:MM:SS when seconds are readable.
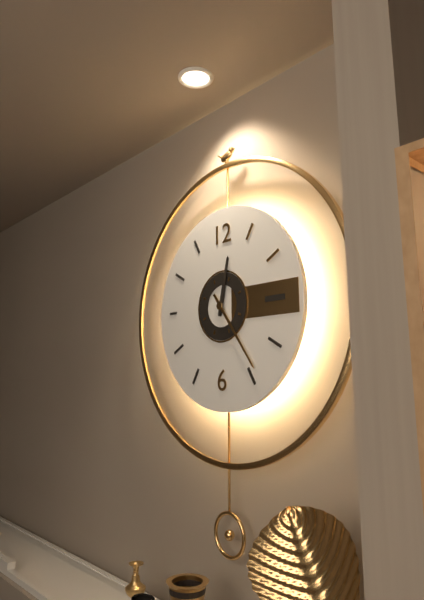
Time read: **12:24**
